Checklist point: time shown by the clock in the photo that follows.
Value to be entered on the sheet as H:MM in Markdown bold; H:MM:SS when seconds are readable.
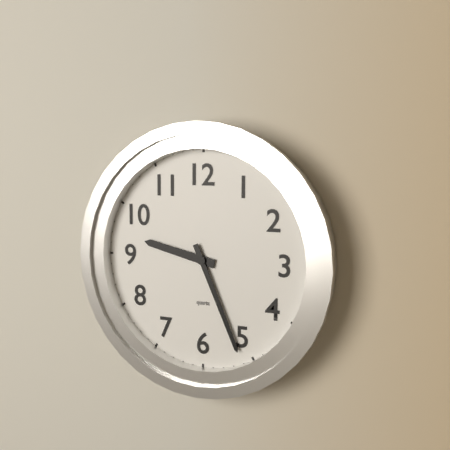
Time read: **9:26**
